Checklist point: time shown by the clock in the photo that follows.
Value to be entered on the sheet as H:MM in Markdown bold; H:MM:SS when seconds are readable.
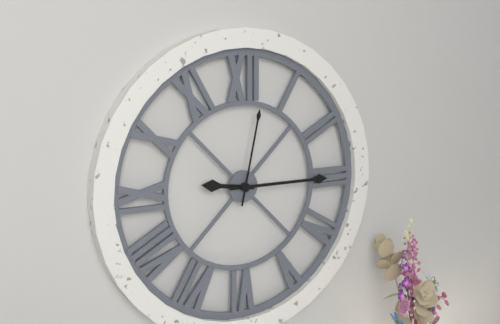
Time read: **9:15:02**
